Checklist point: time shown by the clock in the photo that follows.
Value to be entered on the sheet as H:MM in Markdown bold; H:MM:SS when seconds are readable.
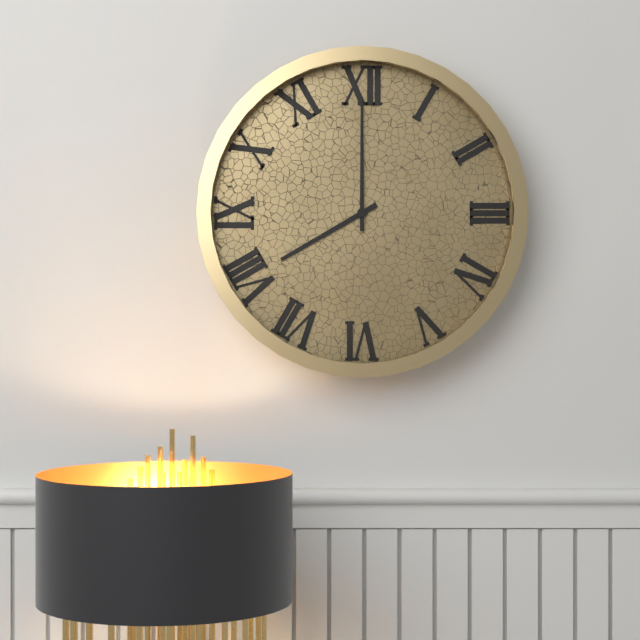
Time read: **8:00**
